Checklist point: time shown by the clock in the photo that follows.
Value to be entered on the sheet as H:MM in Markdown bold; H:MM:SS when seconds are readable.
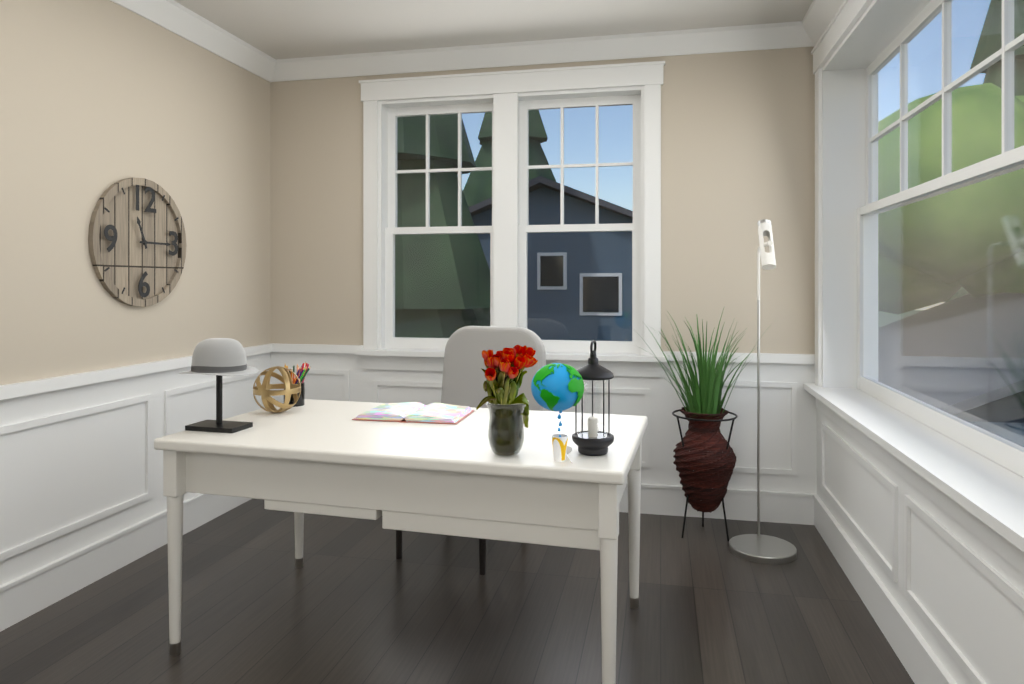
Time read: **11:15**
